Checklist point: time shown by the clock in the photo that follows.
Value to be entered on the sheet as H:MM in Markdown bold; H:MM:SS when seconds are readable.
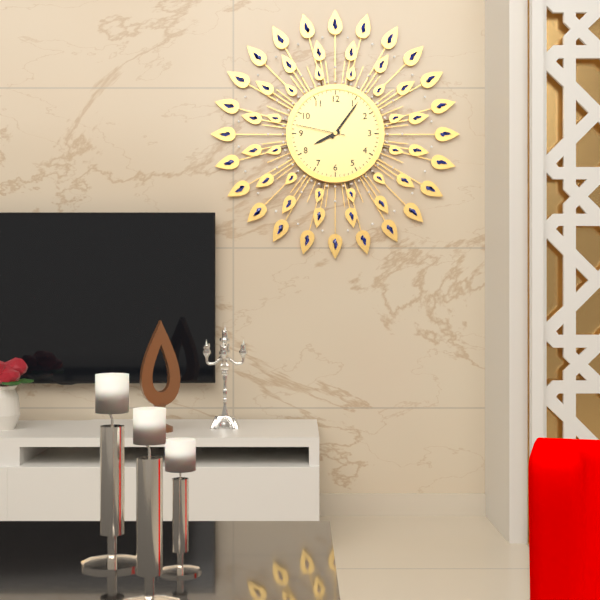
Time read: **8:06:47**
